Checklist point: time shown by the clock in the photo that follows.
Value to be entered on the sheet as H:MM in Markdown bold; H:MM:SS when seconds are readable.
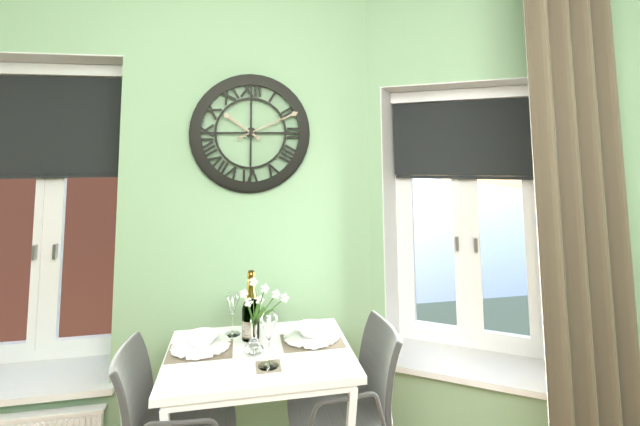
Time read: **10:11**
